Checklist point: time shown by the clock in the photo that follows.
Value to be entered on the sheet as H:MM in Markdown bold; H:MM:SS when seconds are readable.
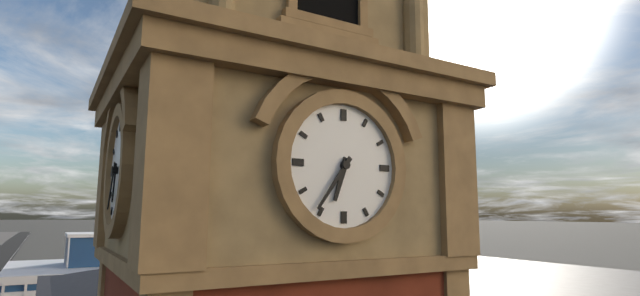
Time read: **6:36**
